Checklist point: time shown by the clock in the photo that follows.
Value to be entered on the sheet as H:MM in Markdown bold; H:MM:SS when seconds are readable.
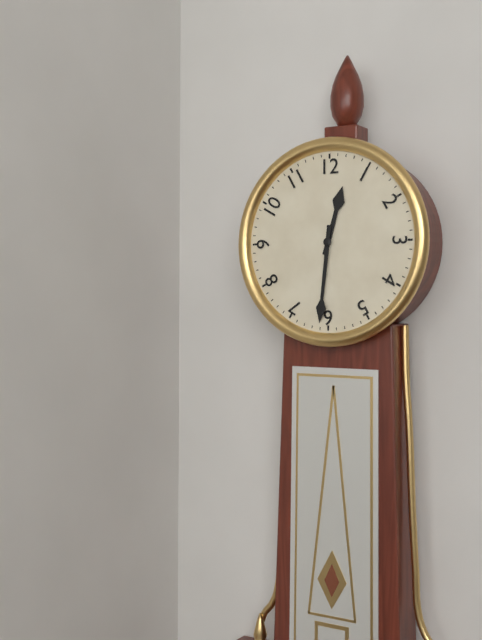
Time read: **12:31**
